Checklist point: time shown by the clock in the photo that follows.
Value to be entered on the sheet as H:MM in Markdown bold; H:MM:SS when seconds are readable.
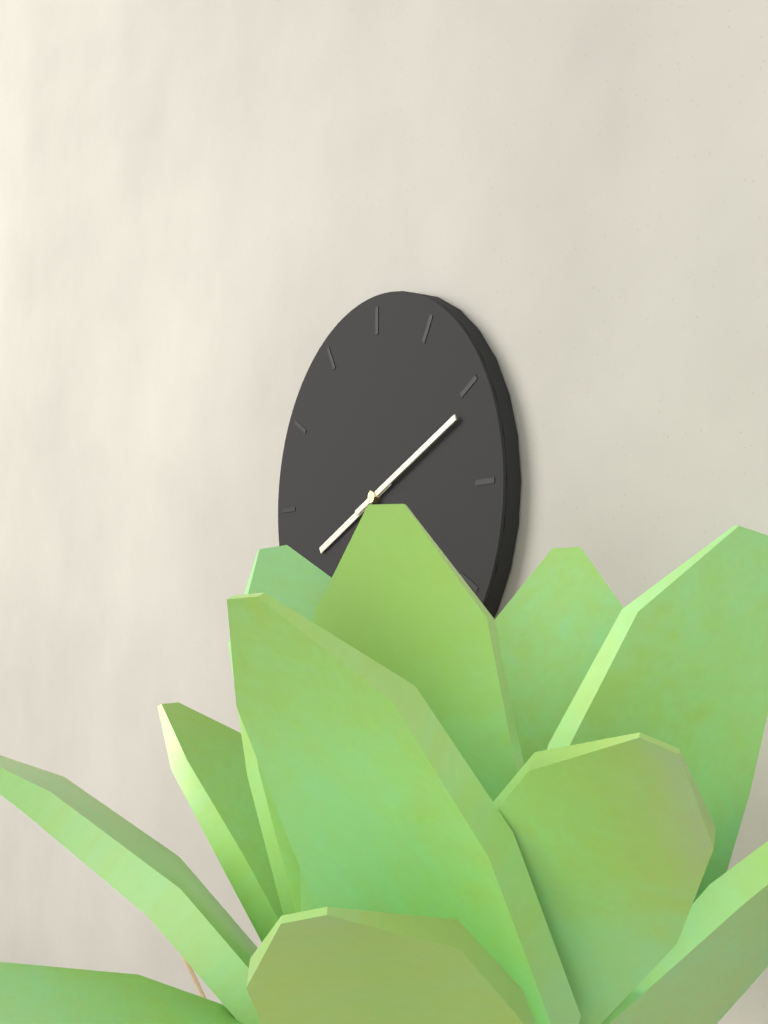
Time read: **8:11**
